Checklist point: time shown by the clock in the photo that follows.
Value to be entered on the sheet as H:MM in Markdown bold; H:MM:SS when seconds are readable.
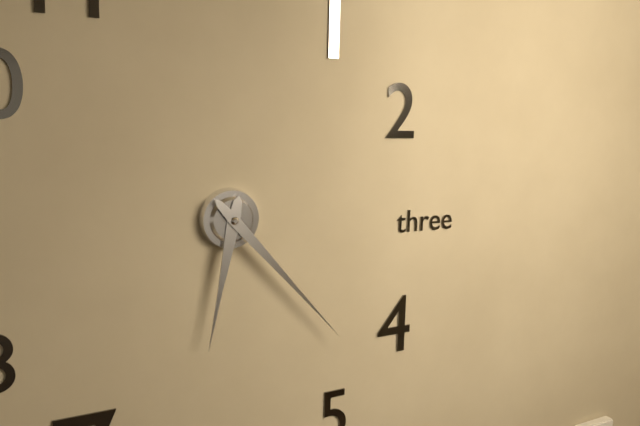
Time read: **6:23**
